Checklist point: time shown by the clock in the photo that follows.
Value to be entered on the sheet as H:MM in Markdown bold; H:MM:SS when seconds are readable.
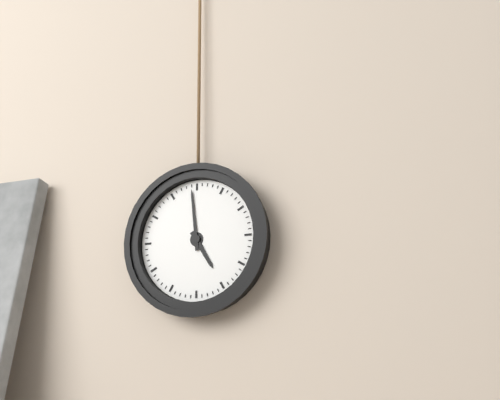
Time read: **4:59**
